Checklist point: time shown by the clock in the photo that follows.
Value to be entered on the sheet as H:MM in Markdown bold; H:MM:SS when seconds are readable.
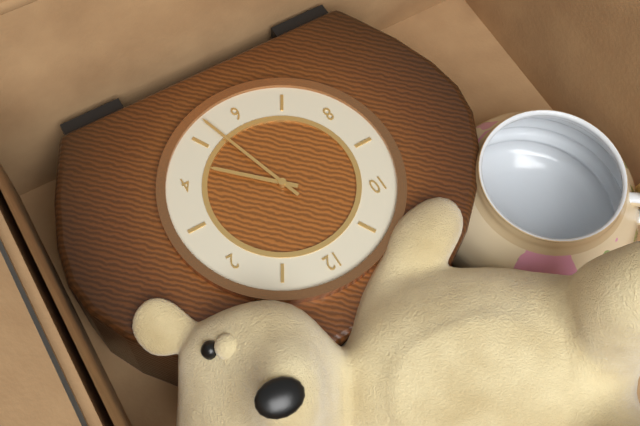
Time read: **4:27**
